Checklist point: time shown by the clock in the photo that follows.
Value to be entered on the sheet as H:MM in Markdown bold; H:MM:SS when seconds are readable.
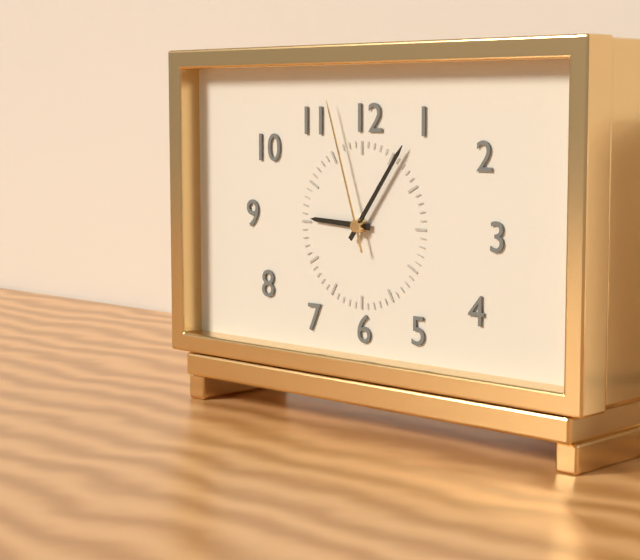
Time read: **9:06:57**
